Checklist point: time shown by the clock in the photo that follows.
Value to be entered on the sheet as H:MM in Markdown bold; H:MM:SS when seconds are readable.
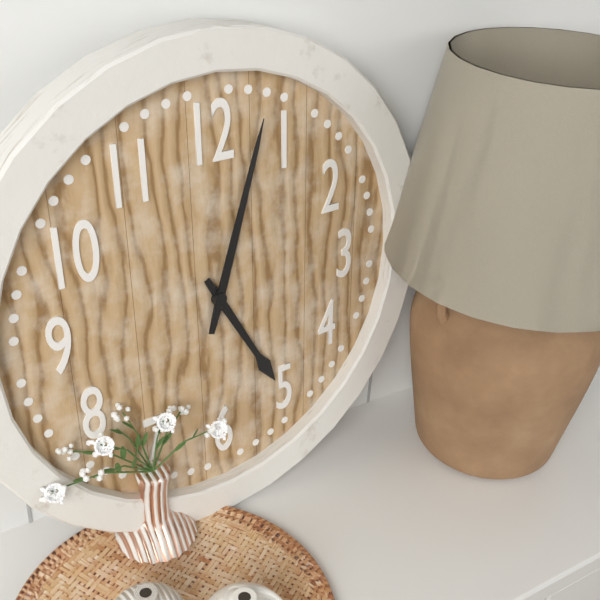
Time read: **5:03**
